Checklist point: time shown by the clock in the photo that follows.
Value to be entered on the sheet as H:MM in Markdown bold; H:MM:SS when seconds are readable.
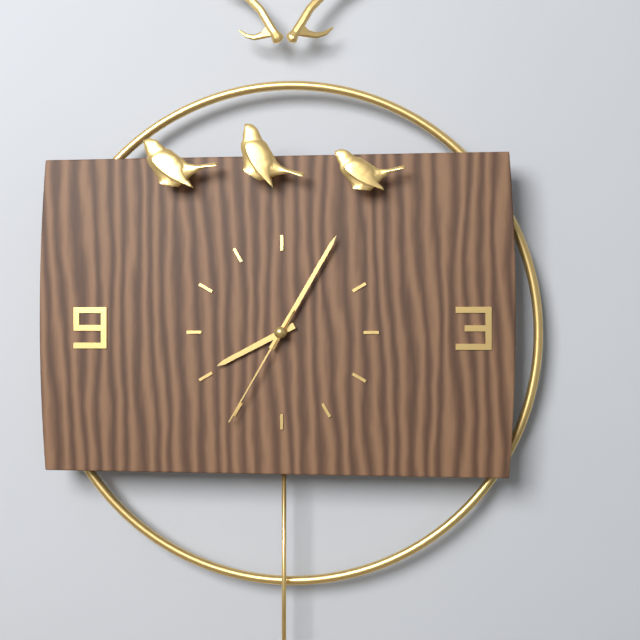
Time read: **8:05:35**
